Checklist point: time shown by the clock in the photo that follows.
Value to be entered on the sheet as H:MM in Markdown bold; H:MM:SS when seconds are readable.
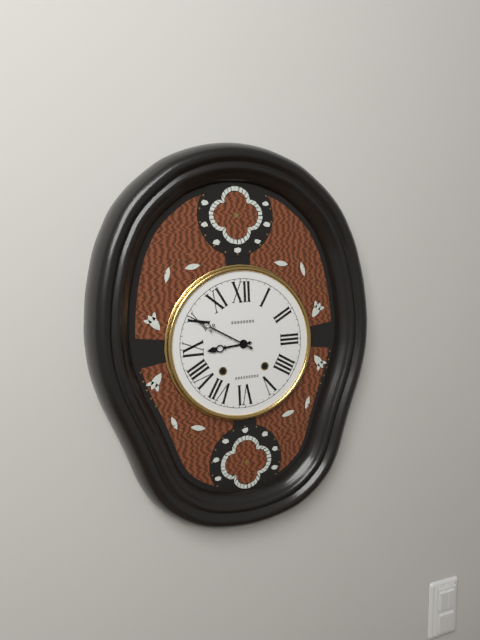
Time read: **8:50**
